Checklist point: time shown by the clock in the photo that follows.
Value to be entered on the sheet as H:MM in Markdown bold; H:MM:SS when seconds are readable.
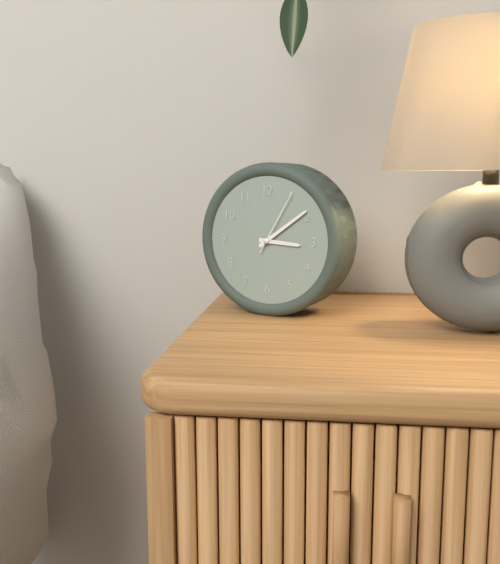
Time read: **3:09:05**
